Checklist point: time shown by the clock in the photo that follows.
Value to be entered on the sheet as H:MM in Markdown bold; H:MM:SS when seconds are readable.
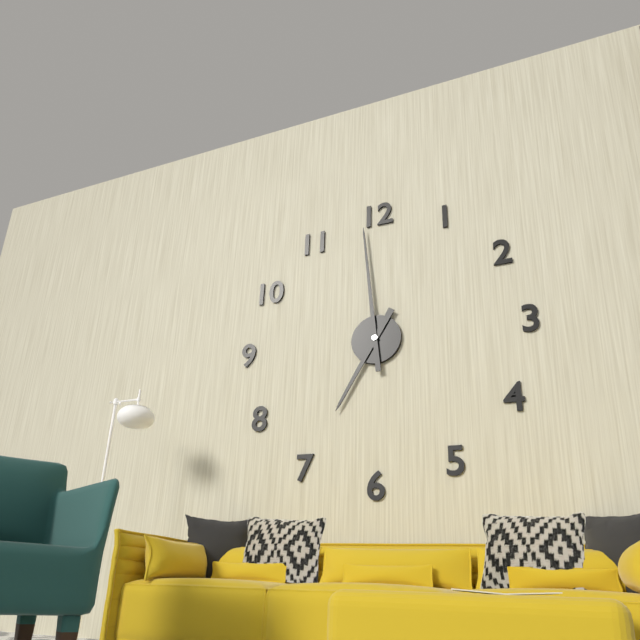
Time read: **6:59**
